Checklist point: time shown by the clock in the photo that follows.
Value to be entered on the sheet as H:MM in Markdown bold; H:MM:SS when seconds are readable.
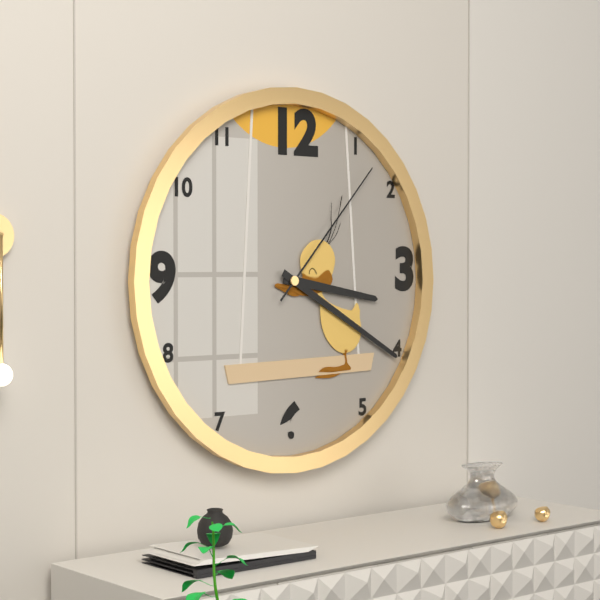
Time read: **3:20:07**
